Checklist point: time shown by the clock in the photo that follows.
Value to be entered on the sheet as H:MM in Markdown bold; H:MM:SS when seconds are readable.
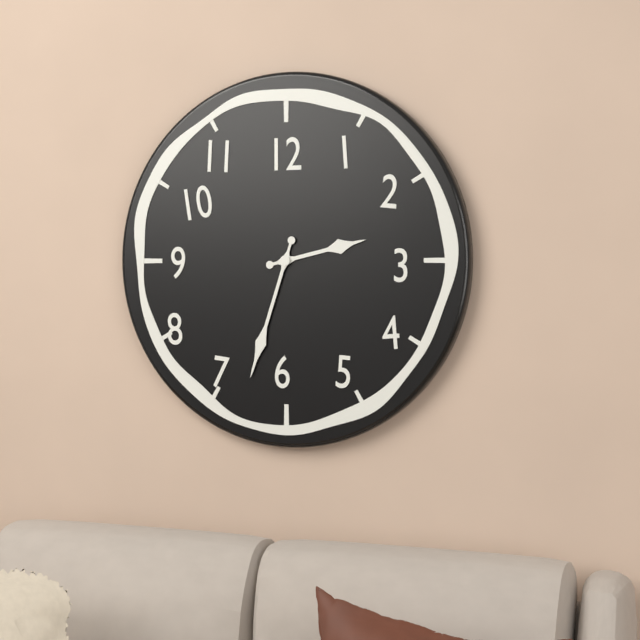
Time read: **2:33**
